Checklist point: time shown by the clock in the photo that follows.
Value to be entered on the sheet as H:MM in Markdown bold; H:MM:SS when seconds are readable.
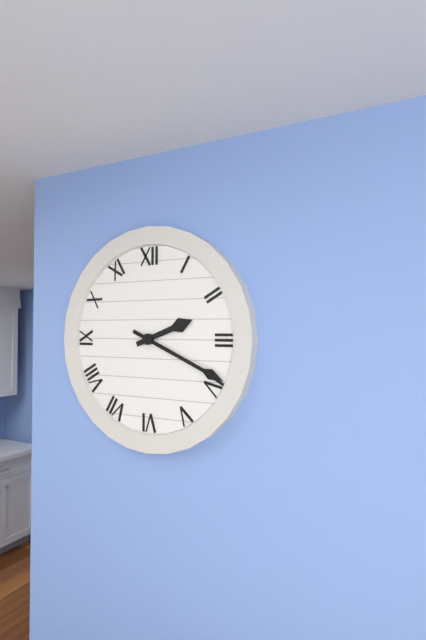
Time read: **2:19**
